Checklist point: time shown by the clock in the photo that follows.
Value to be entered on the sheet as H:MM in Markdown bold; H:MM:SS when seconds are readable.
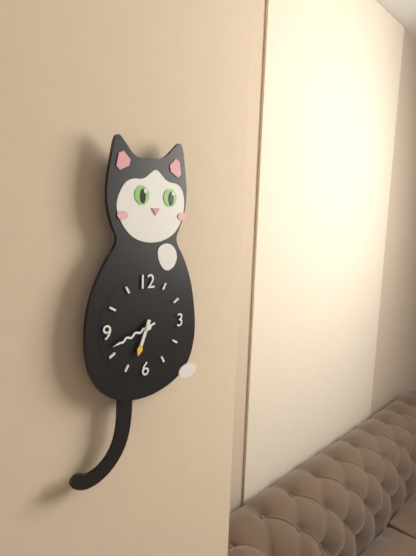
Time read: **6:42**
